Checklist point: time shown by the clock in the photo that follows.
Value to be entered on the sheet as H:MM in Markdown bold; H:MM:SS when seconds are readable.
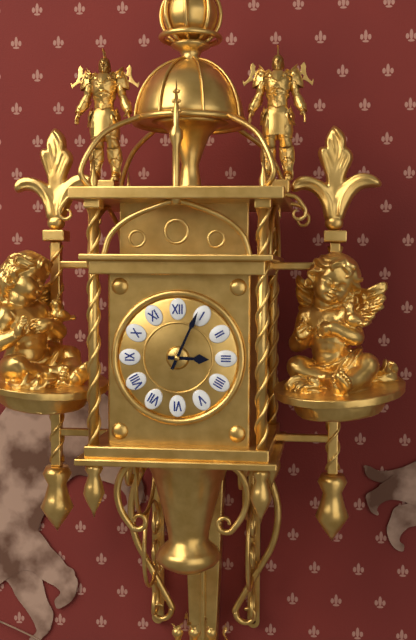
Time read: **3:04**
